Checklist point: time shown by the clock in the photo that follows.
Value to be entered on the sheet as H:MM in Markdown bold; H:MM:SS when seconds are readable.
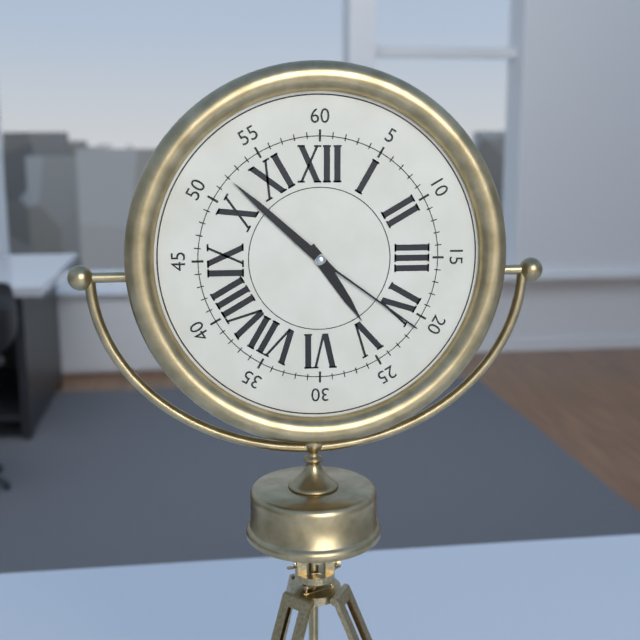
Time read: **4:52:21**
